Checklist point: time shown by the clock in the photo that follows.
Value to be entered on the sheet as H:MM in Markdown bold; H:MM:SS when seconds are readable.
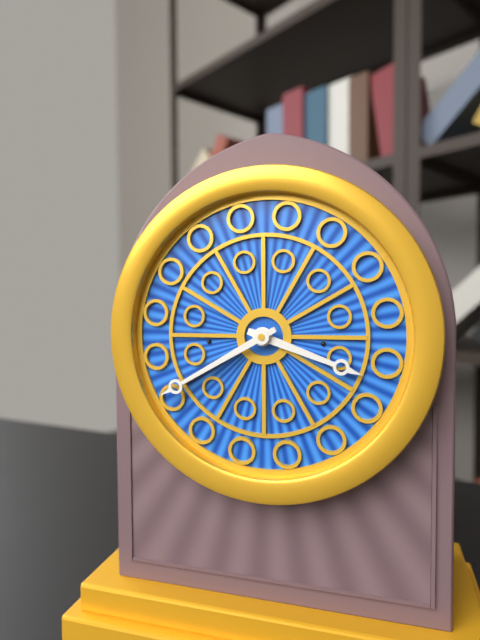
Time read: **3:40**
